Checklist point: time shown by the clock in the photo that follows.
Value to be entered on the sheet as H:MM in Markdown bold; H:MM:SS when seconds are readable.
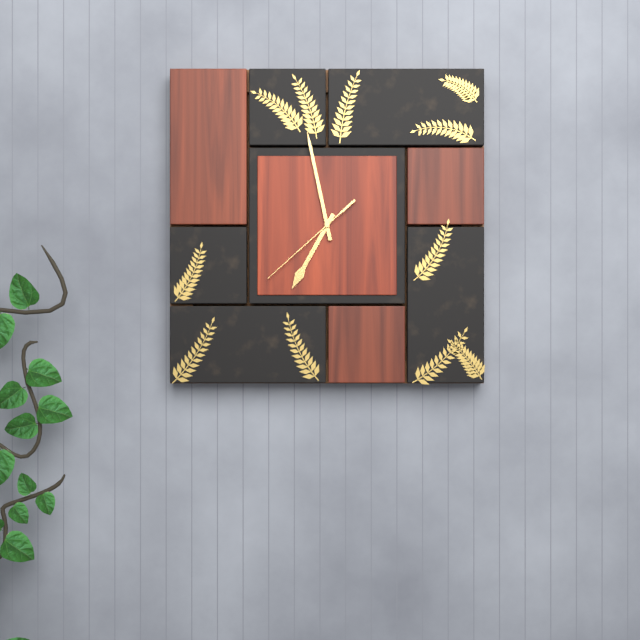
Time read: **6:58:38**
